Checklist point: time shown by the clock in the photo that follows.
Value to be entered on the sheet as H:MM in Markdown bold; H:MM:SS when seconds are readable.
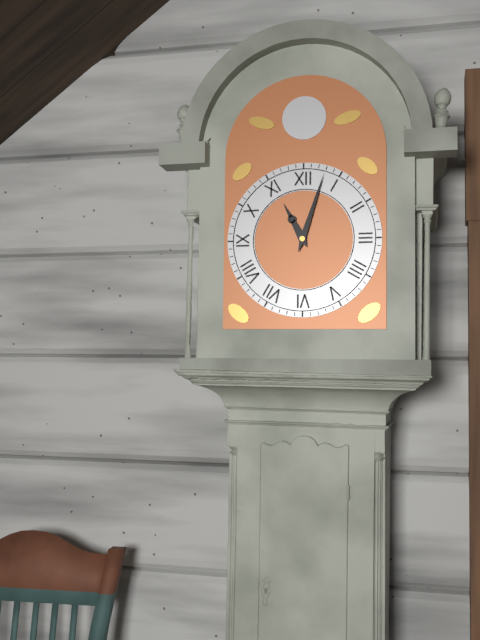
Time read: **11:03**
